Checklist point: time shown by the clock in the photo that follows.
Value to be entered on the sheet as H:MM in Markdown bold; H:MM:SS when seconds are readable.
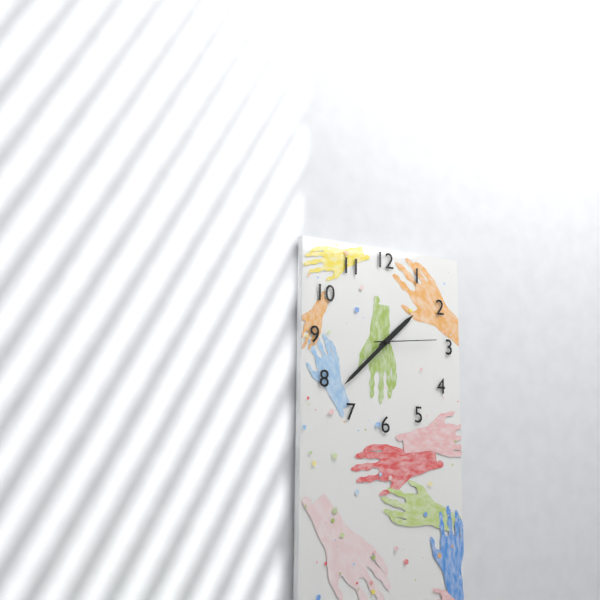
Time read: **1:38:14**
